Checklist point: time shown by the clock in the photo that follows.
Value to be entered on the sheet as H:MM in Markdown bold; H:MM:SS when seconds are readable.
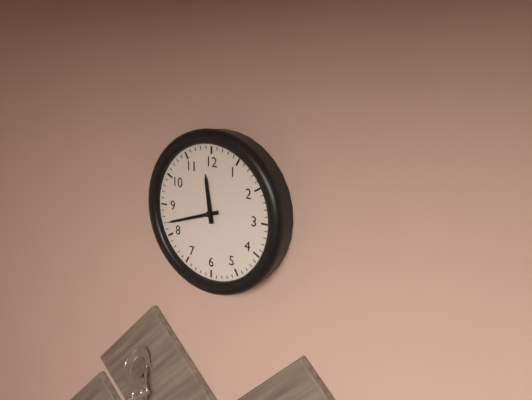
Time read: **11:42**
